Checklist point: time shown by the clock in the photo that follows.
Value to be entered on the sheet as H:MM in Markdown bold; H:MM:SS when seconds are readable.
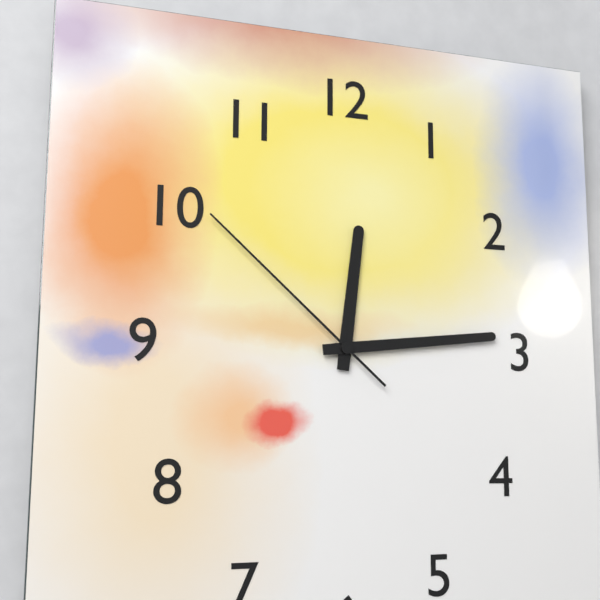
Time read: **12:14:52**
